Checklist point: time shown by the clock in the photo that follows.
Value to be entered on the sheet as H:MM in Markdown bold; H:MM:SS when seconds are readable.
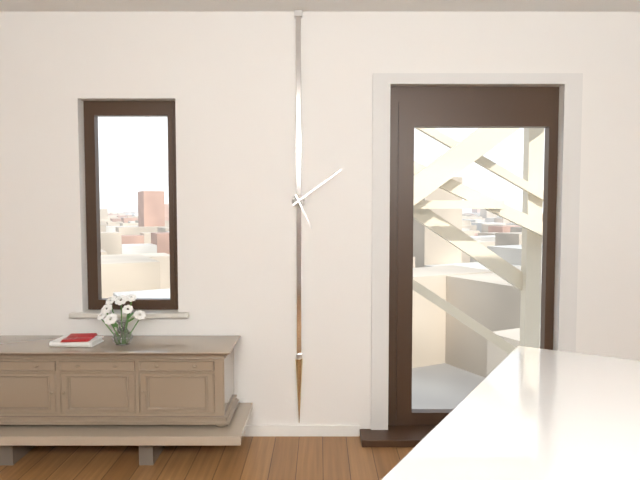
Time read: **5:09**
